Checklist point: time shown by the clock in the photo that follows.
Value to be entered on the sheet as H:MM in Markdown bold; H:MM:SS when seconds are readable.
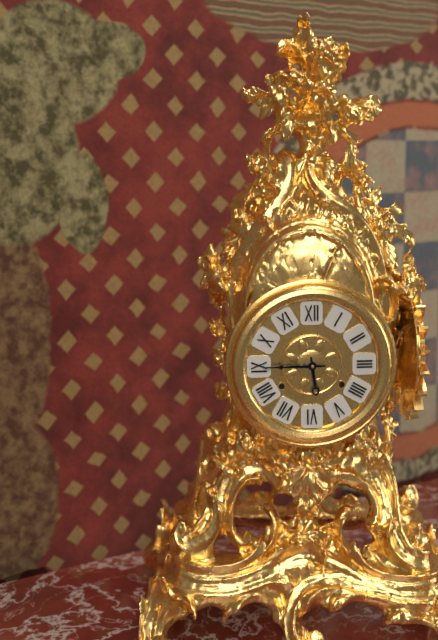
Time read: **5:45**
